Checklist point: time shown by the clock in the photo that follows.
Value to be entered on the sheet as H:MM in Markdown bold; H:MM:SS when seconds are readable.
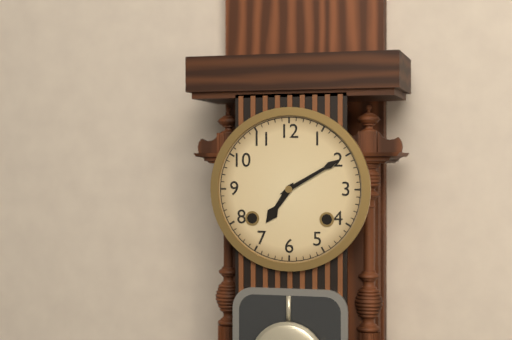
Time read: **7:10**
